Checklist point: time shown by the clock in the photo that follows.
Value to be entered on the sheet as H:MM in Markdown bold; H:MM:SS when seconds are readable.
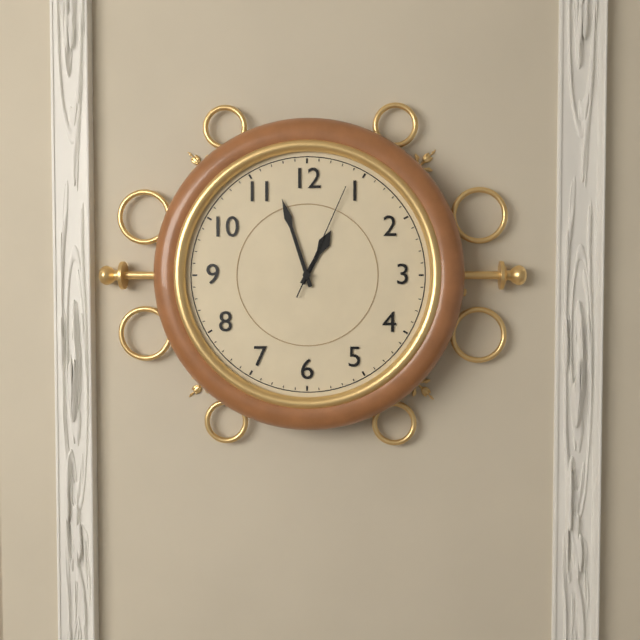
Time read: **12:57:04**
